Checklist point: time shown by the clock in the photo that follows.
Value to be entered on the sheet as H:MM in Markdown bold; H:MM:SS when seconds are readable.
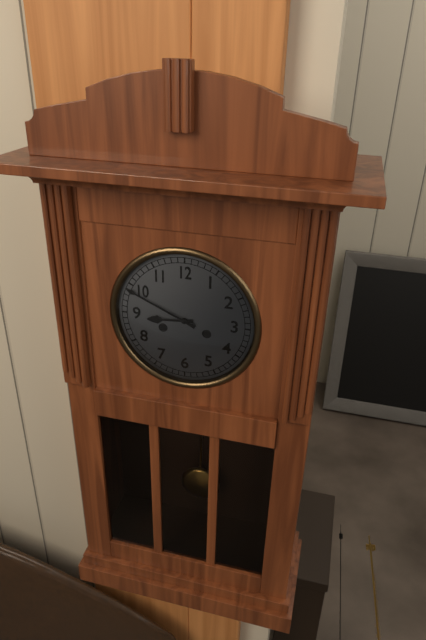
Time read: **8:49**
